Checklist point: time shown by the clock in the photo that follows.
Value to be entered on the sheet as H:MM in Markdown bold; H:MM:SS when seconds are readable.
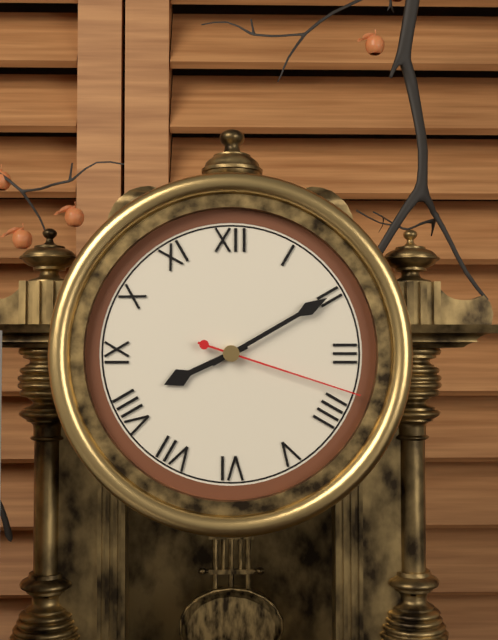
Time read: **8:10:18**
